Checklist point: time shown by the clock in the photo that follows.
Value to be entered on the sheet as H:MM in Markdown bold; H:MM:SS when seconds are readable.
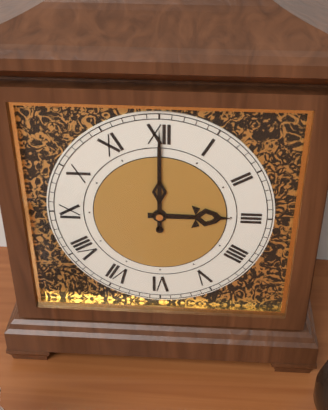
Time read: **3:00**
